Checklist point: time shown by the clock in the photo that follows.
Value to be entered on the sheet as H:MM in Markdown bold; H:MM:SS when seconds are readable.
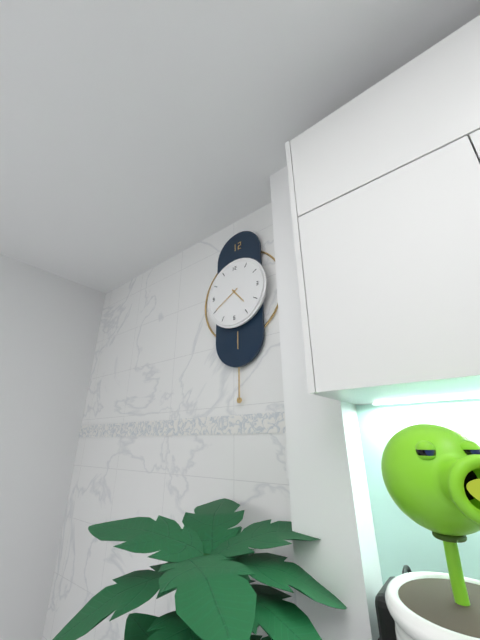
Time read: **4:40**
